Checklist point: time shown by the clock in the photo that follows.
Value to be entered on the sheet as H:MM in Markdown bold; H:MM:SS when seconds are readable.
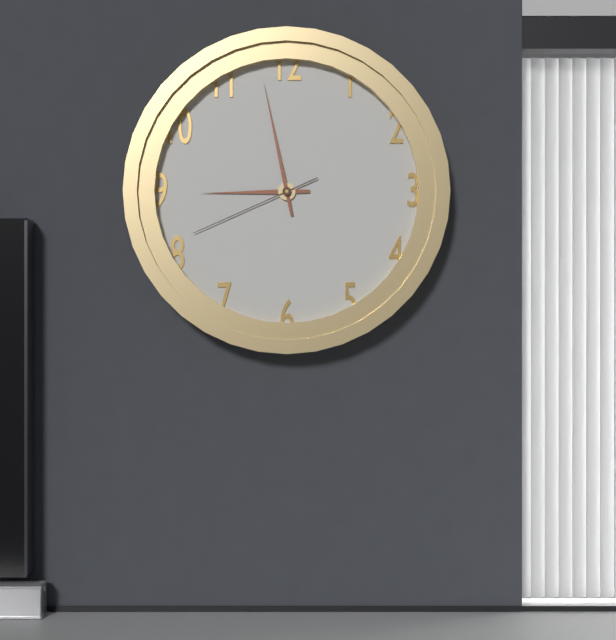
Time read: **8:58:41**
